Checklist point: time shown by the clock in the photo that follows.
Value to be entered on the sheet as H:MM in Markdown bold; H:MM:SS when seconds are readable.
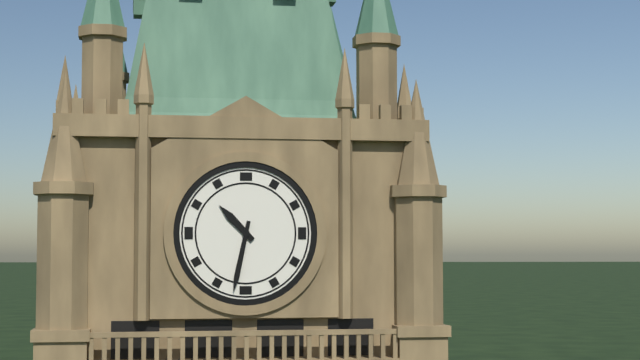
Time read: **10:32**
